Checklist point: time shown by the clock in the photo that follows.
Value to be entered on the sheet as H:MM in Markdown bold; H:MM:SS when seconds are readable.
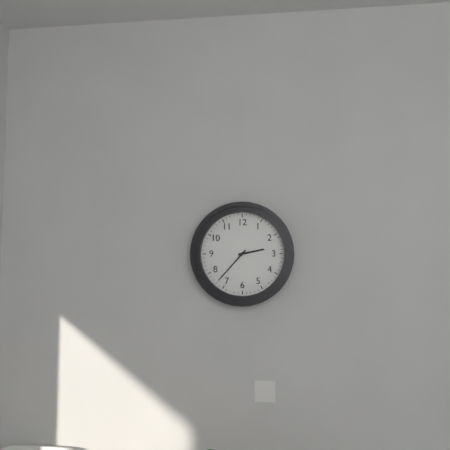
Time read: **2:37**
